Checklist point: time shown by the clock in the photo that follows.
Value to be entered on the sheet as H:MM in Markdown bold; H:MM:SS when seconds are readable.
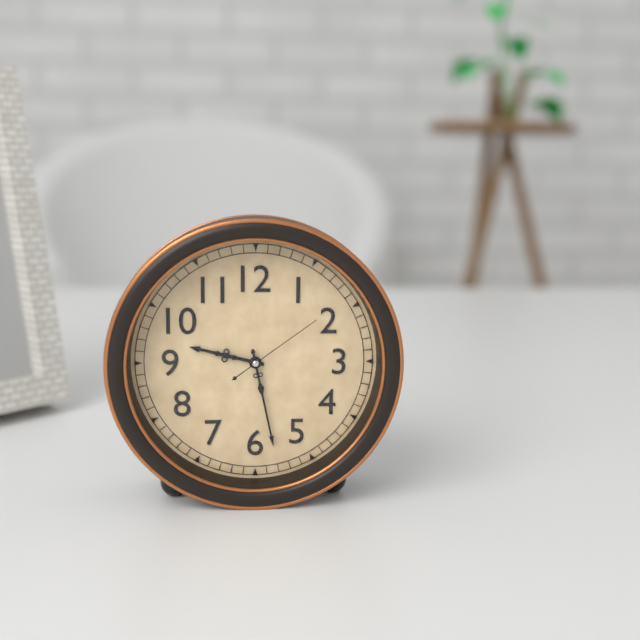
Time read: **9:28:09**
